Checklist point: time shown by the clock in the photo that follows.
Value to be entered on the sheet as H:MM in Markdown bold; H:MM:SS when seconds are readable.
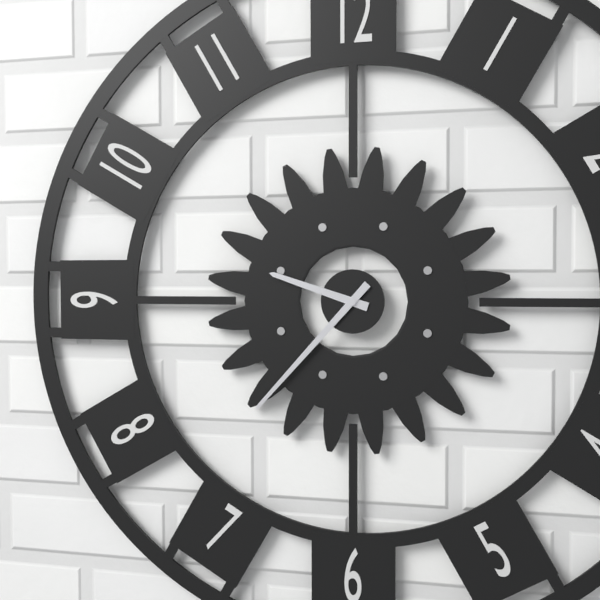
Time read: **9:37**
